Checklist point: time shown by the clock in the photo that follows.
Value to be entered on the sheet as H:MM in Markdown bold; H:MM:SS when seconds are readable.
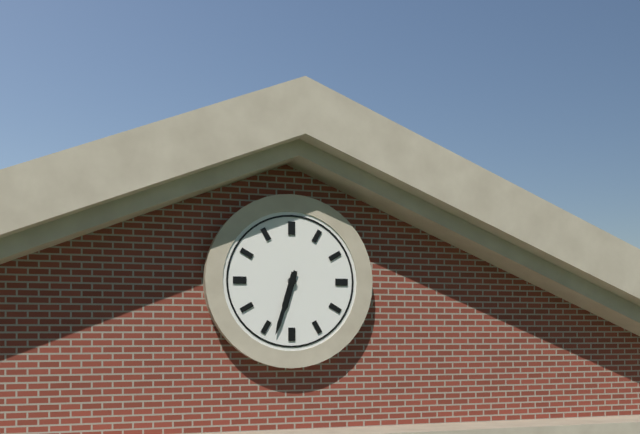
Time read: **6:33**
